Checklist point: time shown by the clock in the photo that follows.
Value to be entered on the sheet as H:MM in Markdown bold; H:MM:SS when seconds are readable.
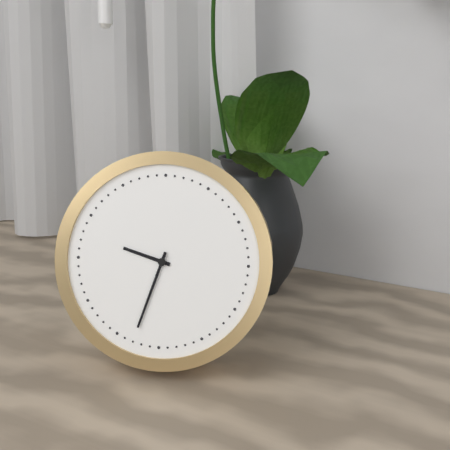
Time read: **9:33**
